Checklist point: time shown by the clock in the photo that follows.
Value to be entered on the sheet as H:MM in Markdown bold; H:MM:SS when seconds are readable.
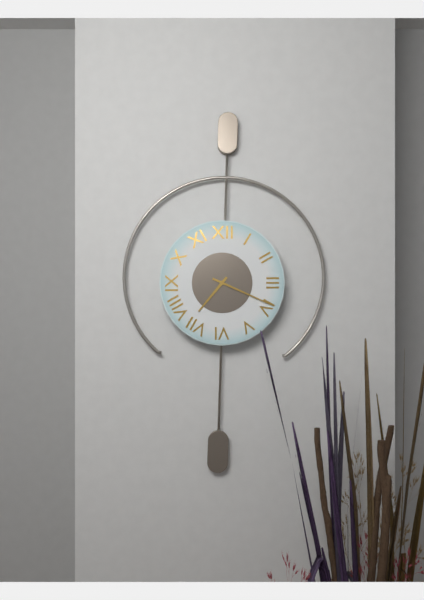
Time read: **7:19**
